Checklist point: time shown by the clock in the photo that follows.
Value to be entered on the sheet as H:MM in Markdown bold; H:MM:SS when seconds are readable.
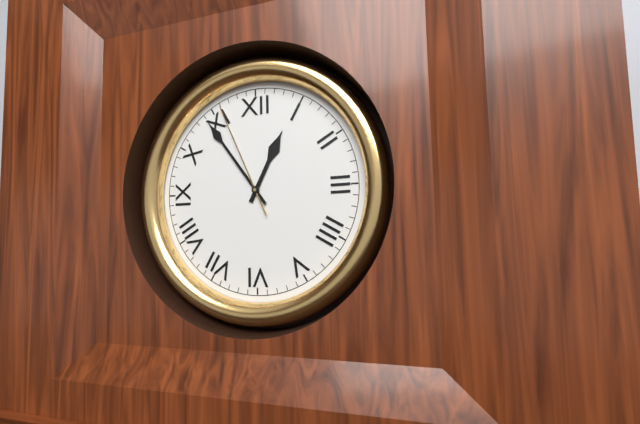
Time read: **12:54:56**
